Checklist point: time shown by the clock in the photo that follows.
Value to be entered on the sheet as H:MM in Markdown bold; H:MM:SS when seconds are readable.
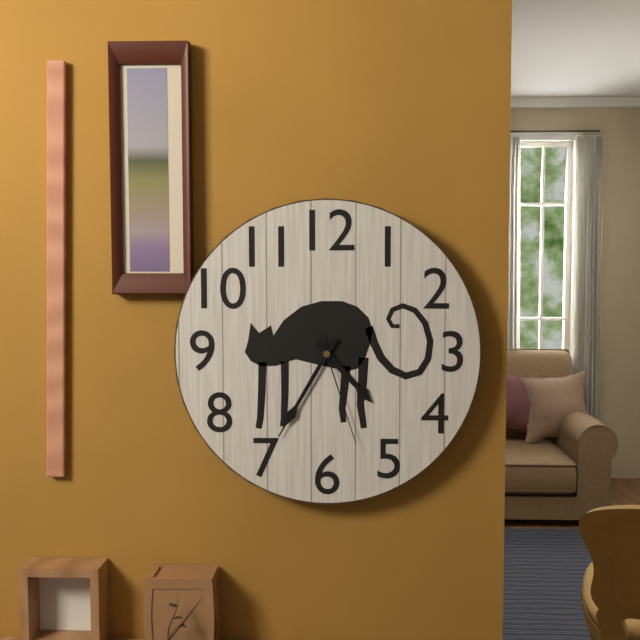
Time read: **4:35:27**
